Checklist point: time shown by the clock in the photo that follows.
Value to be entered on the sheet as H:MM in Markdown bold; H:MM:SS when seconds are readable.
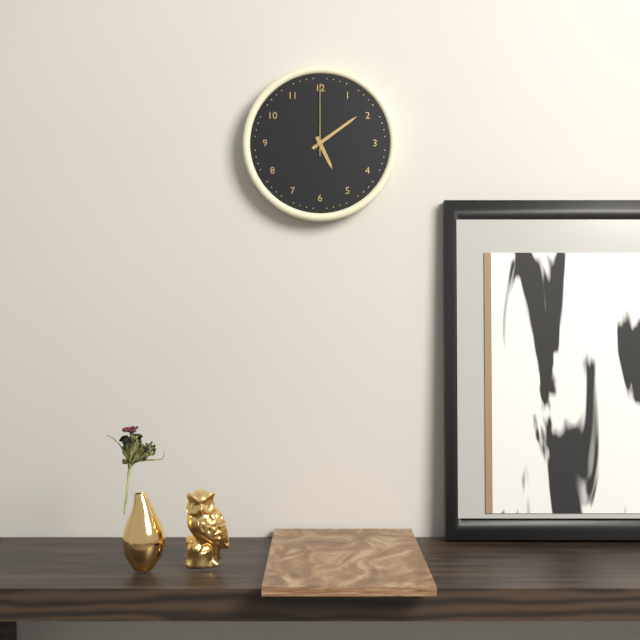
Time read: **5:09:00**
